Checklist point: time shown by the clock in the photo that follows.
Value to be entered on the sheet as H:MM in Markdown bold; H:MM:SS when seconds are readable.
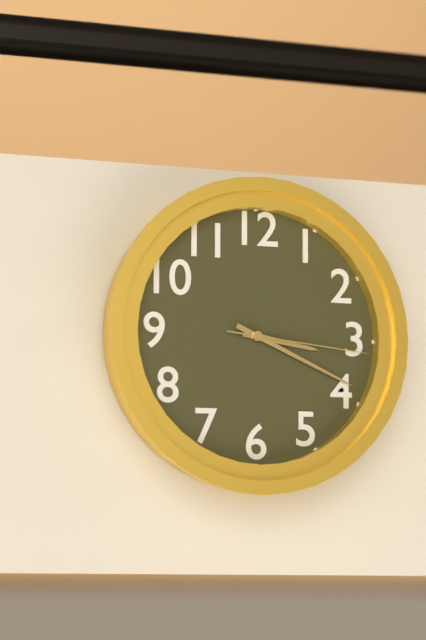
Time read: **3:19:16**
